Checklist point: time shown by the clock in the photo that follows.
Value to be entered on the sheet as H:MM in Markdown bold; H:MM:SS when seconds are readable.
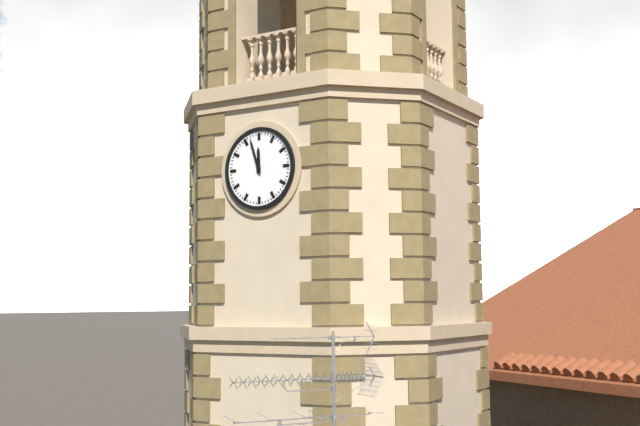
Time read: **11:57**
